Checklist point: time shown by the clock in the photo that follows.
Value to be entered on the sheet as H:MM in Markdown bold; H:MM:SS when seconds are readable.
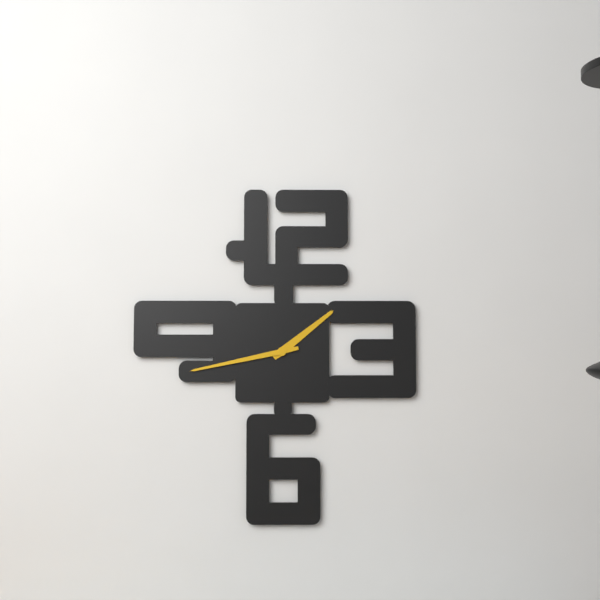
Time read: **1:43**
